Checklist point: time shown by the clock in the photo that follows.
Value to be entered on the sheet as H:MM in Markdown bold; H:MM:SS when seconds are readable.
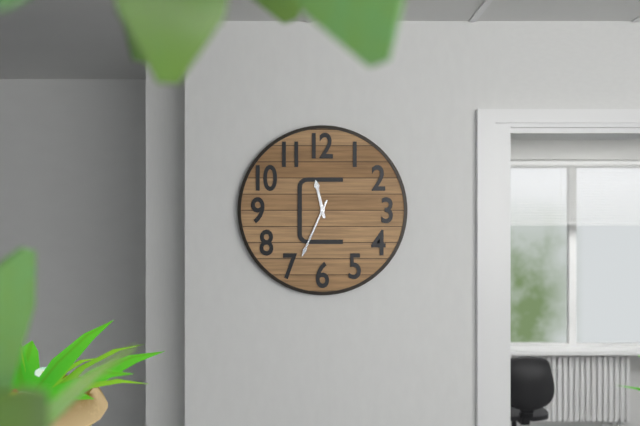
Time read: **11:34**
